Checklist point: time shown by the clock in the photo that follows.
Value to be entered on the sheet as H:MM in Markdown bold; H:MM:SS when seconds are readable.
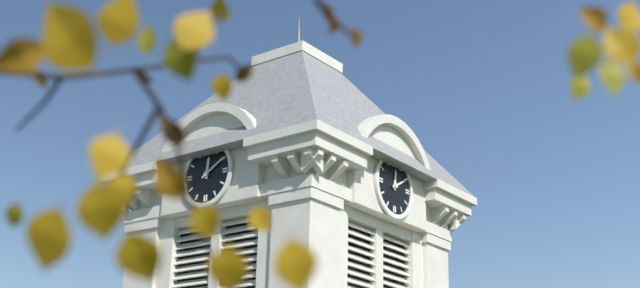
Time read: **12:10**
